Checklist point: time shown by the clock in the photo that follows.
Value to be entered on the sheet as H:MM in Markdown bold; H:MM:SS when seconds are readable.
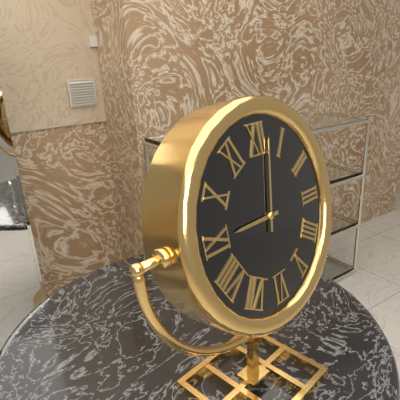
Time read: **9:02**
